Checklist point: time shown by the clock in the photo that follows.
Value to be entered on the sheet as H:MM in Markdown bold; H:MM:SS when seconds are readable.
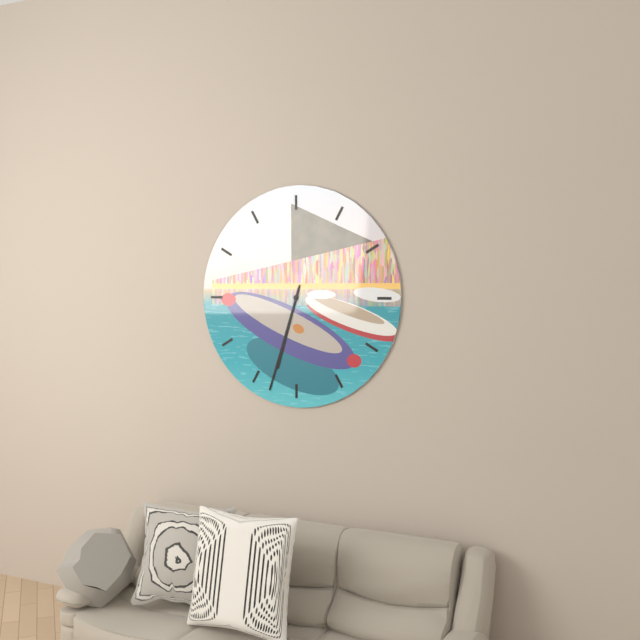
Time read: **6:33**
